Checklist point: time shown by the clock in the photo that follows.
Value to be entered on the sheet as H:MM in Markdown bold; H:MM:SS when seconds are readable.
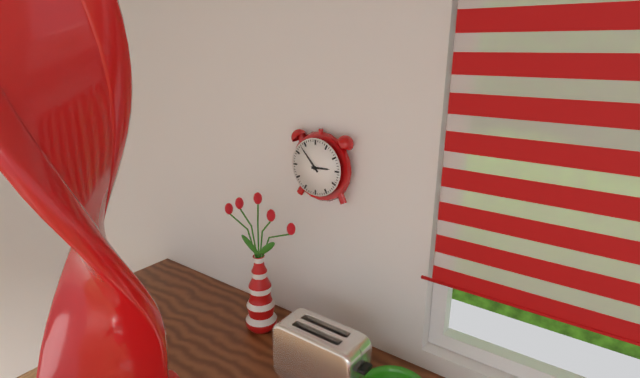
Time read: **2:53**
